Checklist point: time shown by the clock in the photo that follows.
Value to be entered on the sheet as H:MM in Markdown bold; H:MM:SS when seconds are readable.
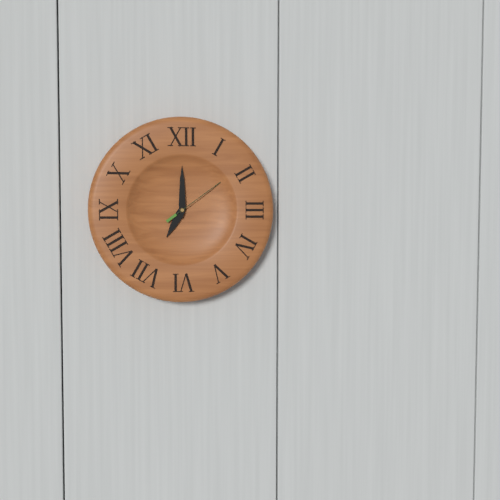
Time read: **7:00:09**
